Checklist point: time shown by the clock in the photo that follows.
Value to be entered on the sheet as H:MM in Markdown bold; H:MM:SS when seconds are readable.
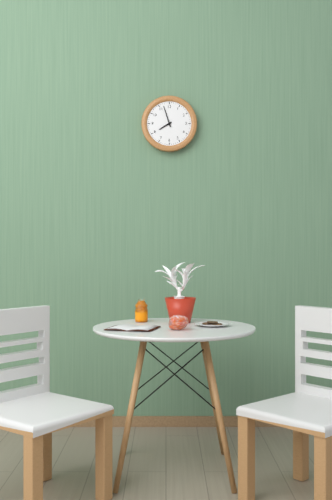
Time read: **7:57**
